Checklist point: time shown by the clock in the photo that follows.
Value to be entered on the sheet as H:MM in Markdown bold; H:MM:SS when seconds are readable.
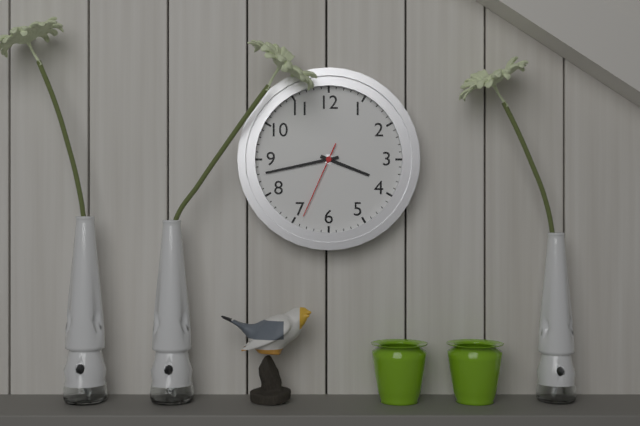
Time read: **3:43:34**
